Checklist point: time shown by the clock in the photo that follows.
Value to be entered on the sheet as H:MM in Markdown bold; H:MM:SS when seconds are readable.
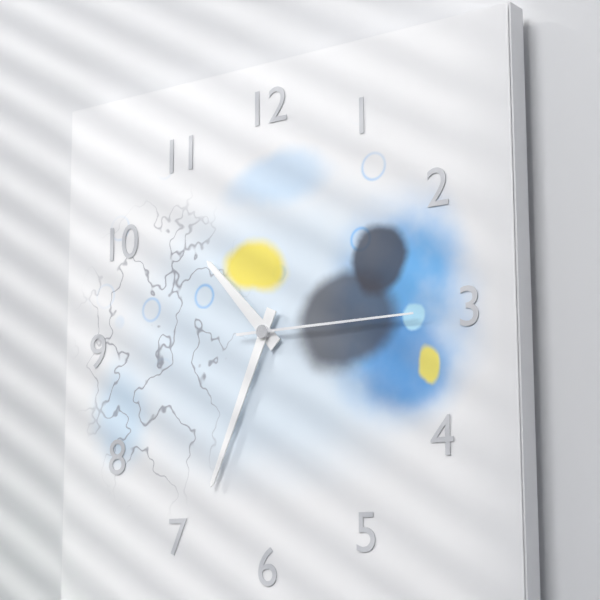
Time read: **10:34:15**
